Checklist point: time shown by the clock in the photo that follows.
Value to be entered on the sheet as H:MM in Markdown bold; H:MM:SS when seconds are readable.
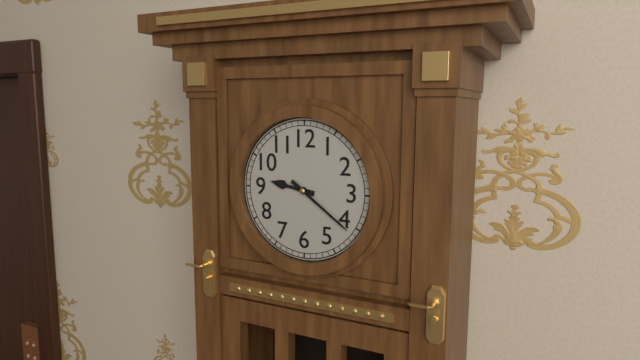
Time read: **9:21**
